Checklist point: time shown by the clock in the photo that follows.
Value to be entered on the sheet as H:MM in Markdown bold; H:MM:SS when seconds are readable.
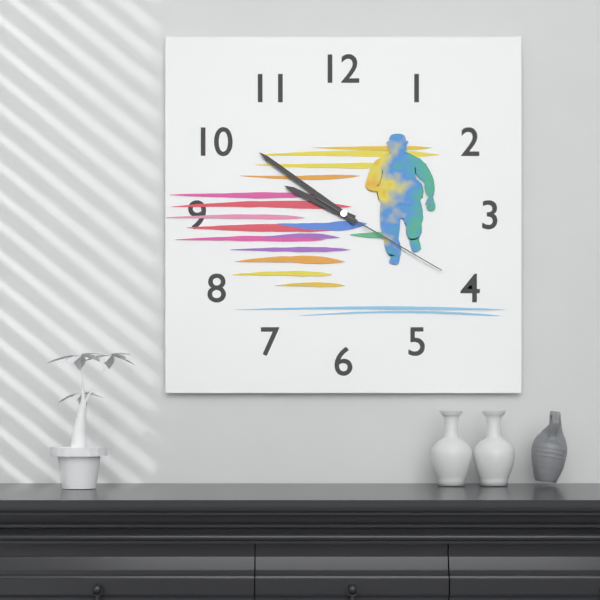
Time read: **9:51:20**
